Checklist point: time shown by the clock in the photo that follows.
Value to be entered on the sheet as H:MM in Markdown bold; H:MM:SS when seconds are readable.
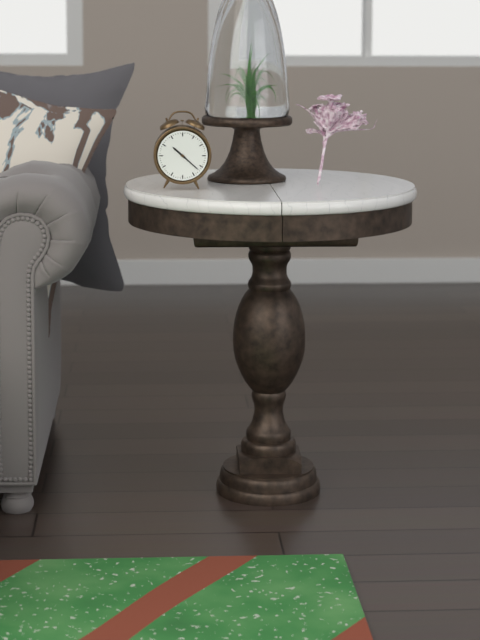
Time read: **10:22**
